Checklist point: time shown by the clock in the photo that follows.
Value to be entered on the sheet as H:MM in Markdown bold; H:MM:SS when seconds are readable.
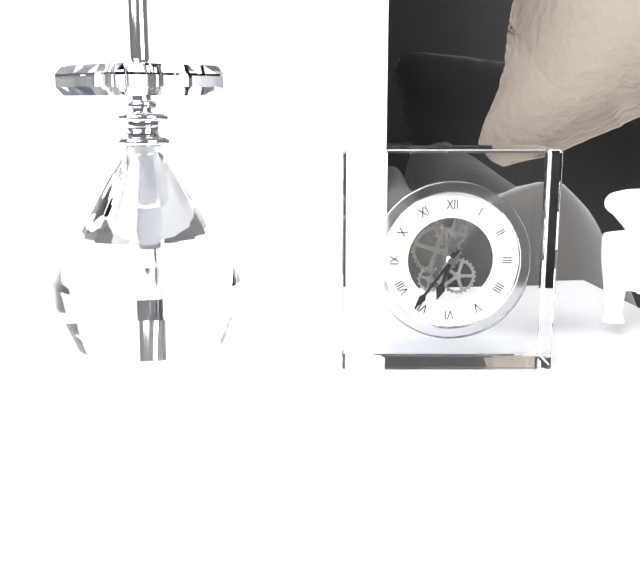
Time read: **6:36**
